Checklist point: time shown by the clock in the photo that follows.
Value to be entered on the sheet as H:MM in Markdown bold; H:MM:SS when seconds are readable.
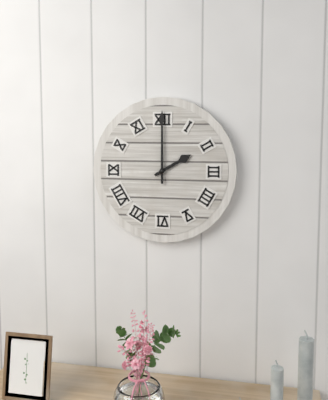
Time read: **2:00**
